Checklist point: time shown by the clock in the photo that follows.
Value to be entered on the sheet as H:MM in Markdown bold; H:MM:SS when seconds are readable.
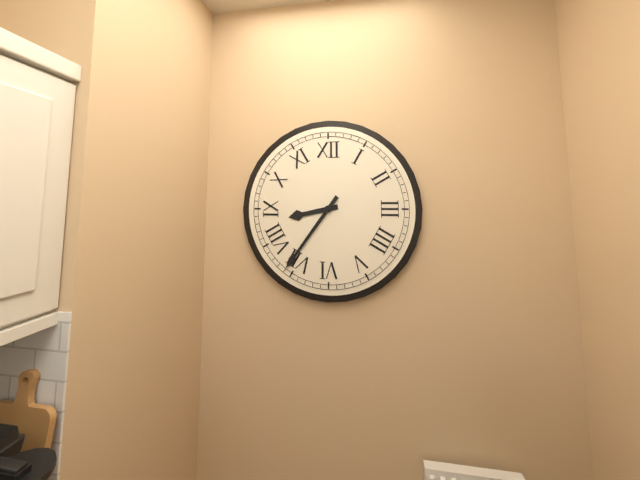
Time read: **8:36**
